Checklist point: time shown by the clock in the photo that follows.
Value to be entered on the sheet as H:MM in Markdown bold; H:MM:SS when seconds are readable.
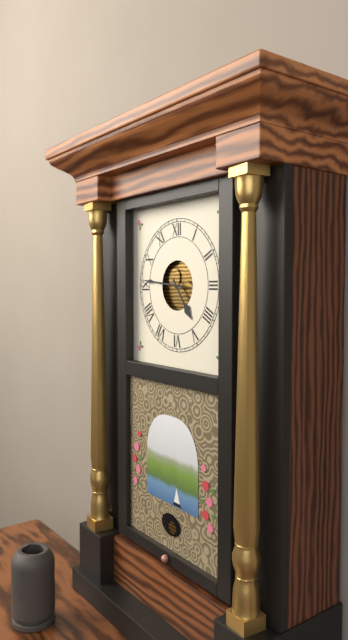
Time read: **4:46**
